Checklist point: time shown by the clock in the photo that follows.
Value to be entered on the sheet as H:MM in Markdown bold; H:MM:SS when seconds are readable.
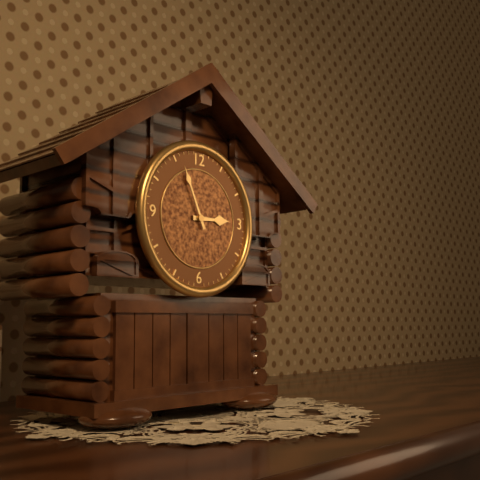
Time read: **2:56**
